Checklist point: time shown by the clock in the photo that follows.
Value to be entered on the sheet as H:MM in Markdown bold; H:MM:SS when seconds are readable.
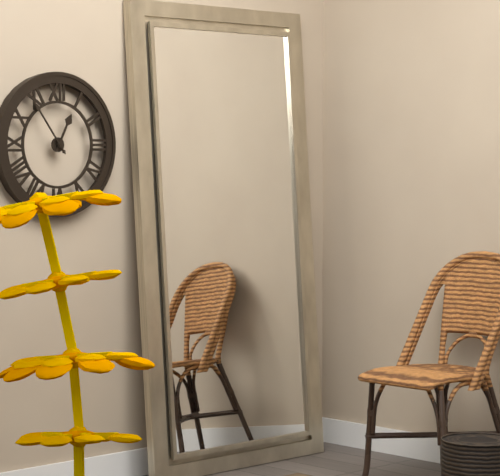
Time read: **12:54**
